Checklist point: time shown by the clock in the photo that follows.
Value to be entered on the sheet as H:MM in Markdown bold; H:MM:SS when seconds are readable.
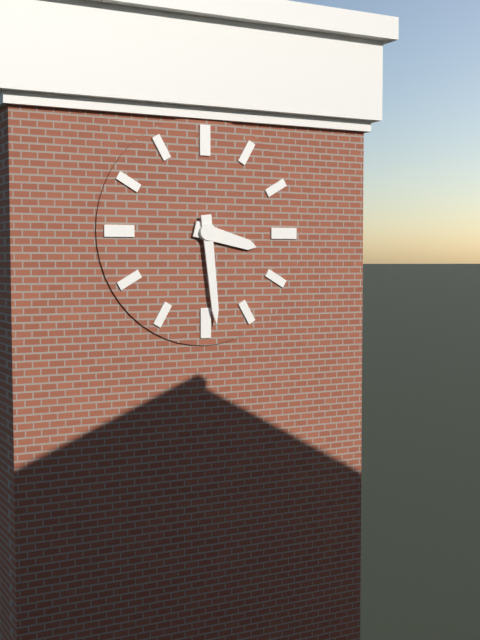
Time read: **3:29**
